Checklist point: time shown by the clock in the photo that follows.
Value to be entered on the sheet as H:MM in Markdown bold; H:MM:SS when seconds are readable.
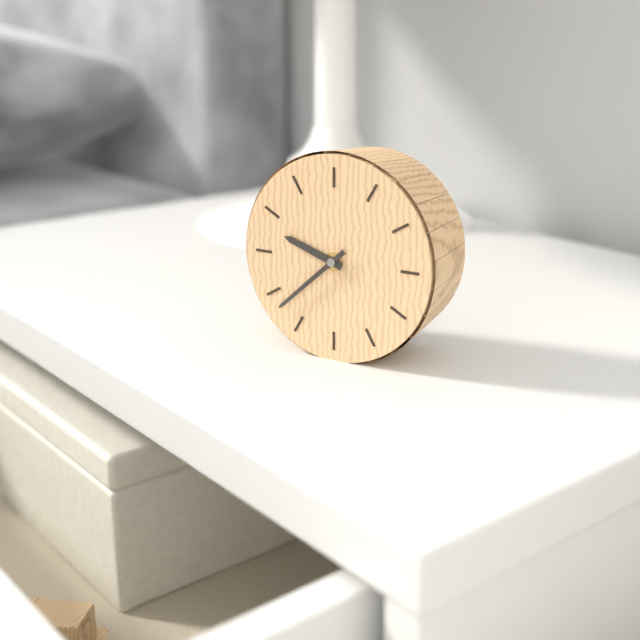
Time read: **9:38**
